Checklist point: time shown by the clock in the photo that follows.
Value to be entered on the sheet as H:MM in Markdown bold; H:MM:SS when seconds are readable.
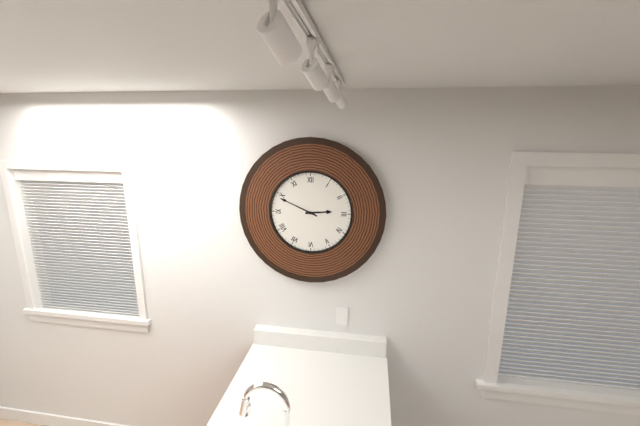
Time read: **2:49**
